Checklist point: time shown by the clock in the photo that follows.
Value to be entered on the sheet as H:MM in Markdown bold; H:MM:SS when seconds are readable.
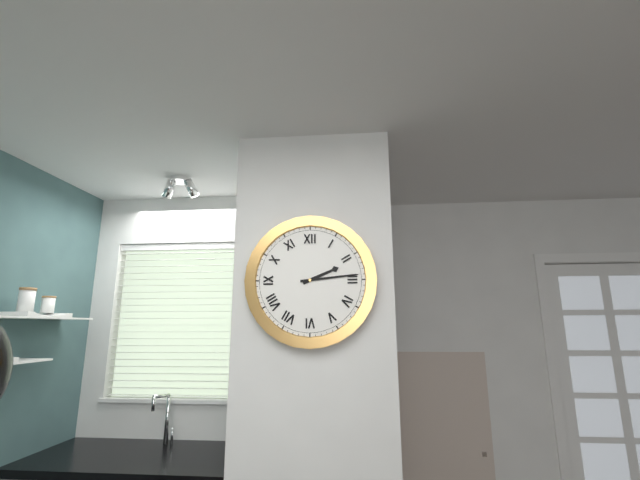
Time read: **2:14**
